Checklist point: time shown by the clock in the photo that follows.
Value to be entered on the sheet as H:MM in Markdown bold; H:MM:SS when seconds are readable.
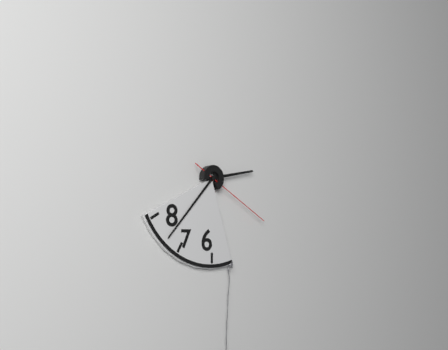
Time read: **2:37:20**
